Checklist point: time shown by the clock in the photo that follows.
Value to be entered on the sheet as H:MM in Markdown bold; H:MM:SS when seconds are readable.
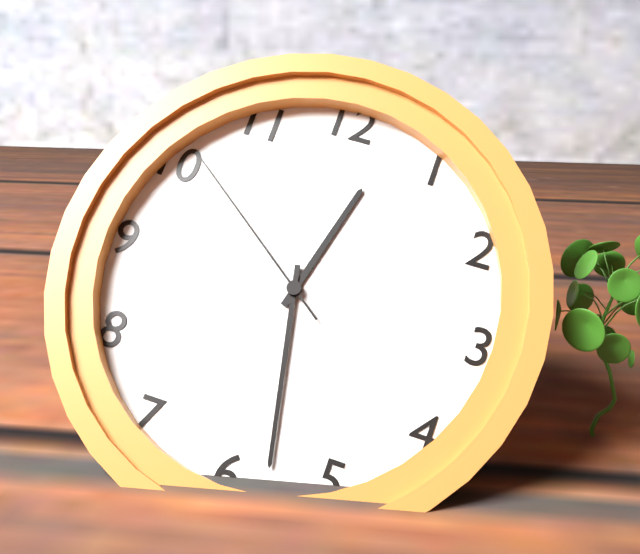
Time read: **12:28:51**
